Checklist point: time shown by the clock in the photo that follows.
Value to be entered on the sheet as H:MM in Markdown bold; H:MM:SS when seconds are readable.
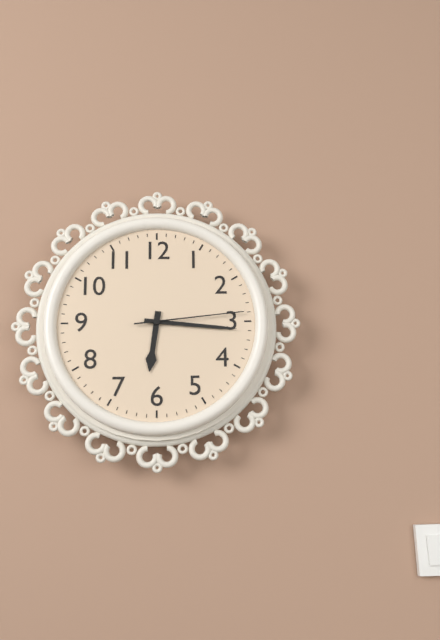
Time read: **6:16:14**
